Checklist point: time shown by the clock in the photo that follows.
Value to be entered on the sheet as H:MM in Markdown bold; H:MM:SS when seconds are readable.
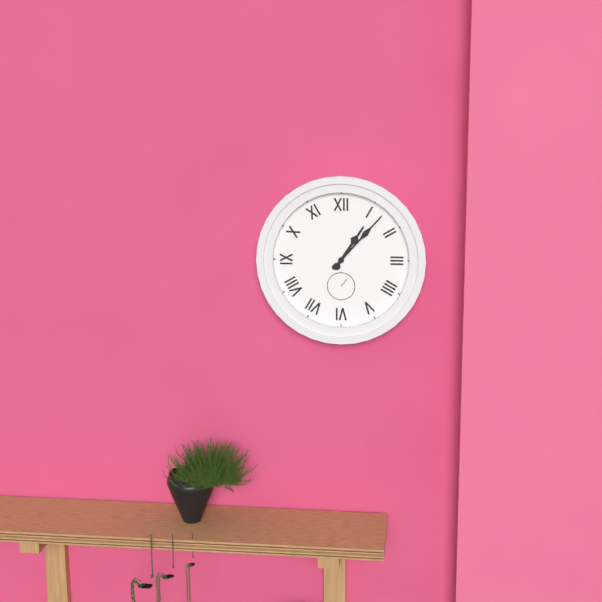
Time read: **1:07**
